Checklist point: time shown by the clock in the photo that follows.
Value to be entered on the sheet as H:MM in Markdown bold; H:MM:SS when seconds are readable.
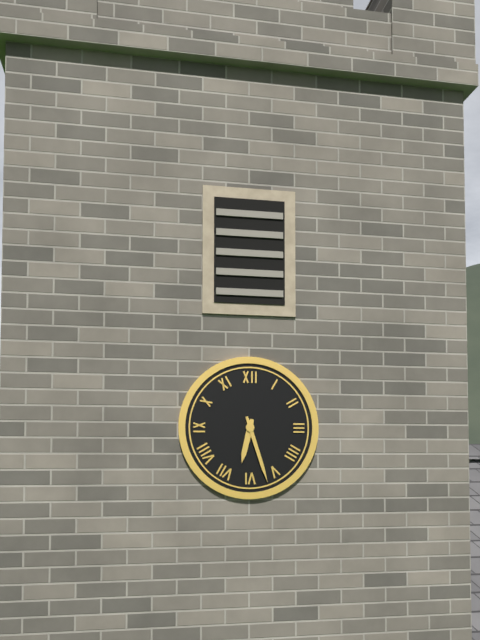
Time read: **6:27**
